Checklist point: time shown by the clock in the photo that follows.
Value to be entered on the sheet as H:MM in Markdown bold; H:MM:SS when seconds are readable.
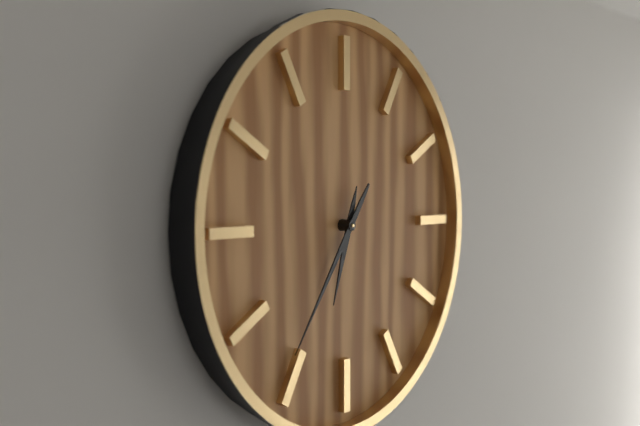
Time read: **6:36**
